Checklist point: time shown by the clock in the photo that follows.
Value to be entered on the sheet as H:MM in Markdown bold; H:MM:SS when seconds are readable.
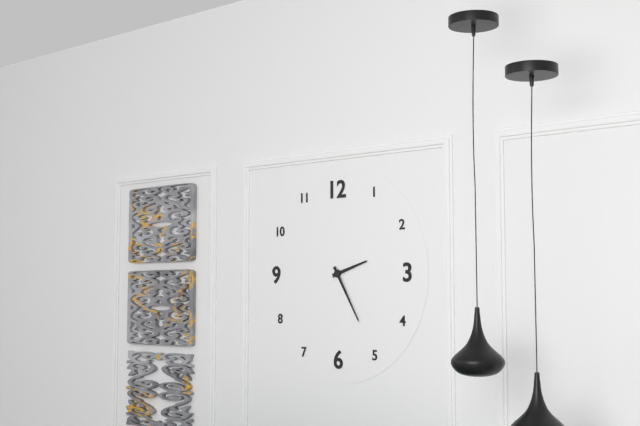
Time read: **2:25**
